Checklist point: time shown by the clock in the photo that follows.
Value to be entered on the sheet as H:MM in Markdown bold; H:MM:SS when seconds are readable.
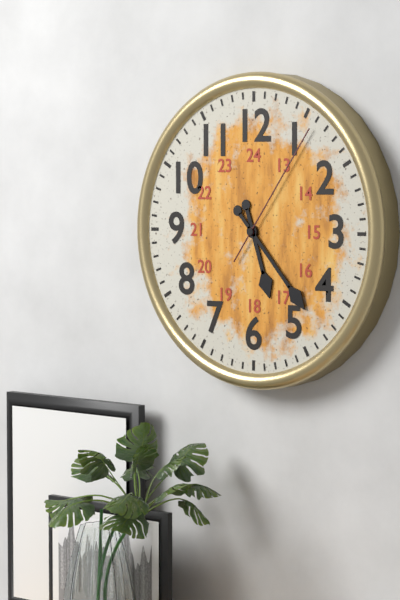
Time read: **5:23:06**
